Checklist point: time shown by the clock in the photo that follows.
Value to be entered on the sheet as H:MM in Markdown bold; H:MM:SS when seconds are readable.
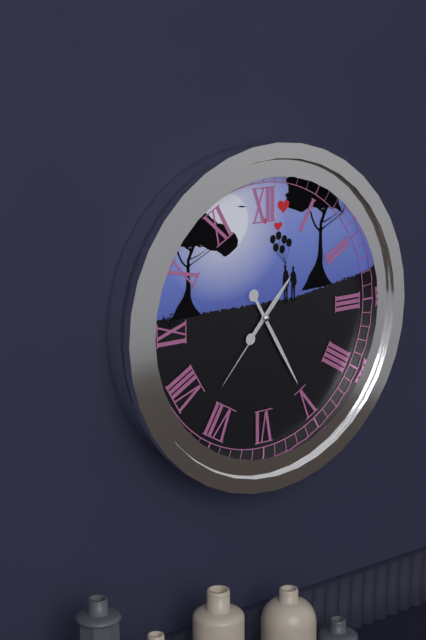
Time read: **1:25:37**
